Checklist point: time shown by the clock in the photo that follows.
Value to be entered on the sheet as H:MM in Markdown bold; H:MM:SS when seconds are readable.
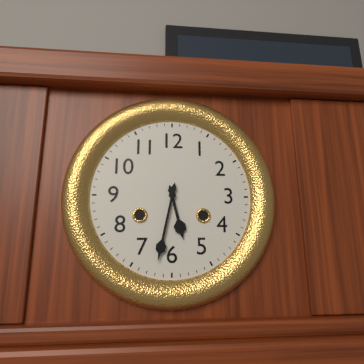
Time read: **5:32**
